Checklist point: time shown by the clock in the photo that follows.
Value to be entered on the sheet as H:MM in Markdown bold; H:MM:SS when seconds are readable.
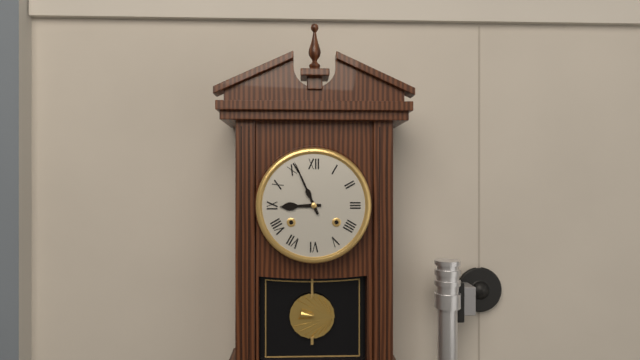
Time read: **8:56**
